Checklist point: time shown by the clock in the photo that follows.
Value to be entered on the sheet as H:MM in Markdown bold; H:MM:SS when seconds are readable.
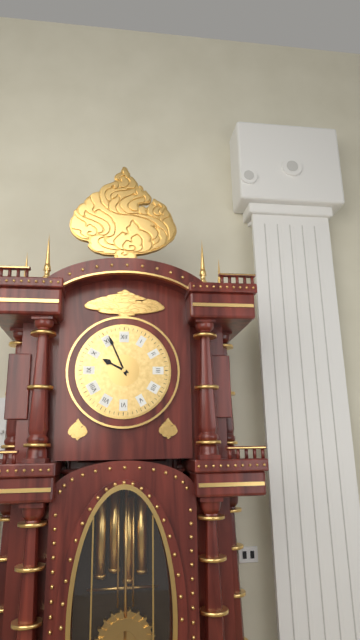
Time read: **9:56**
